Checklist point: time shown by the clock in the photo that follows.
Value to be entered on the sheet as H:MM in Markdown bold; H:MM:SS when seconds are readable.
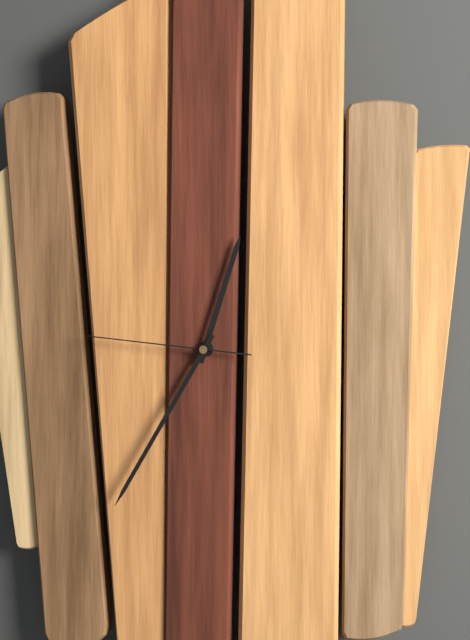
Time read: **12:35:46**
